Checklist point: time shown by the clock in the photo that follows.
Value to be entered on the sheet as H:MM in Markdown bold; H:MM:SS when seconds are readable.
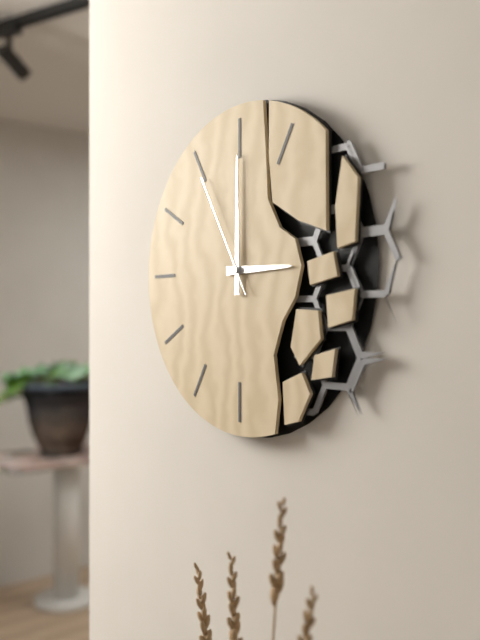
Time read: **3:00:55**
